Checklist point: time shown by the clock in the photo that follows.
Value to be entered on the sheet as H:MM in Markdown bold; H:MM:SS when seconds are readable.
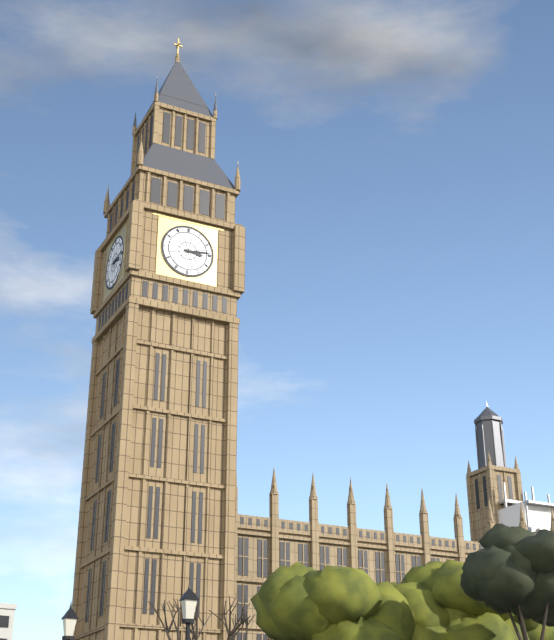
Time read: **3:14**
